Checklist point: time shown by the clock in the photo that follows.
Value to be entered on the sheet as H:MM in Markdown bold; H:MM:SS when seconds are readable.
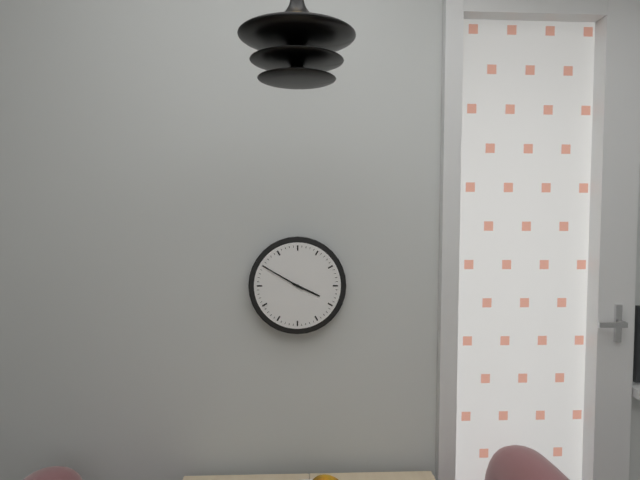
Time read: **3:50**
